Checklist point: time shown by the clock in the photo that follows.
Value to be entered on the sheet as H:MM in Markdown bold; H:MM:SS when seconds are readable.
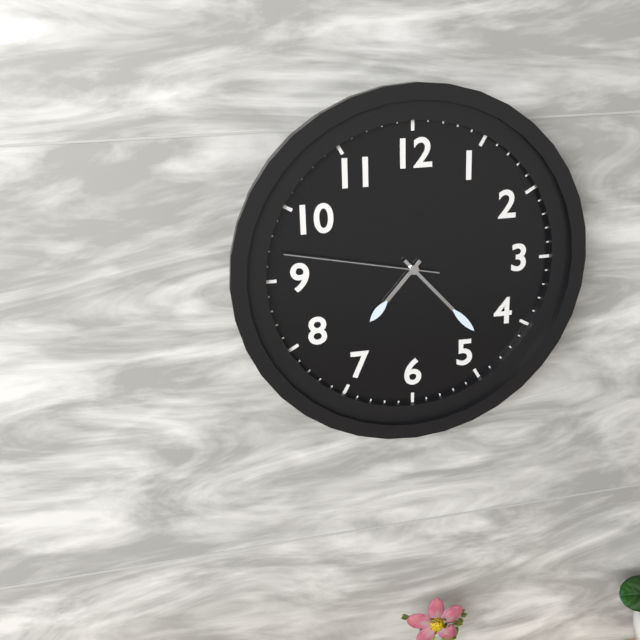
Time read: **7:23:47**
